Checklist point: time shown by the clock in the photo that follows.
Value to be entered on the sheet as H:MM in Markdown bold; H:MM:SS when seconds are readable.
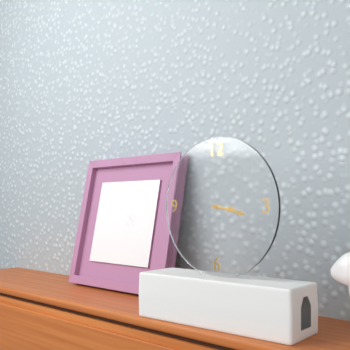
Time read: **3:17**
